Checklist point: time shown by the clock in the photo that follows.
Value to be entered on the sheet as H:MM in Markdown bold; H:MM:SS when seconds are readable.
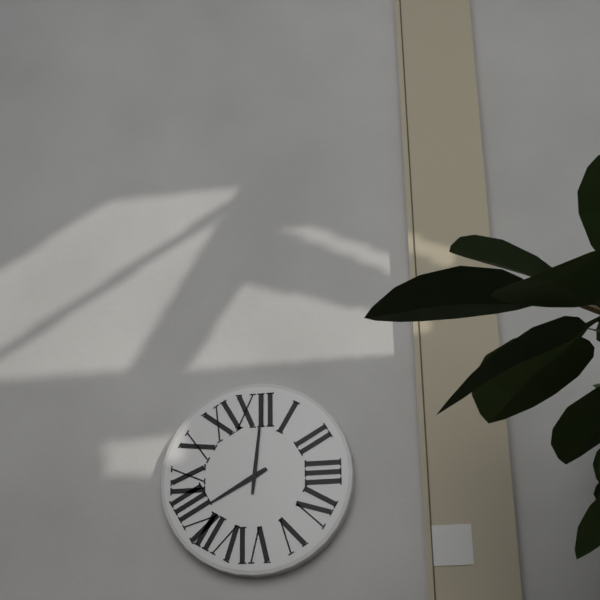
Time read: **8:01**
